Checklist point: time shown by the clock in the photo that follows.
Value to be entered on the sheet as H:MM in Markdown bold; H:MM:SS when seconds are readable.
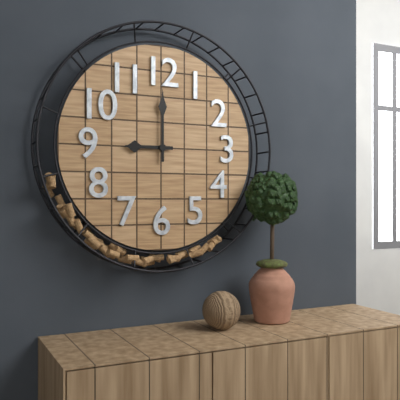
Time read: **9:00**
